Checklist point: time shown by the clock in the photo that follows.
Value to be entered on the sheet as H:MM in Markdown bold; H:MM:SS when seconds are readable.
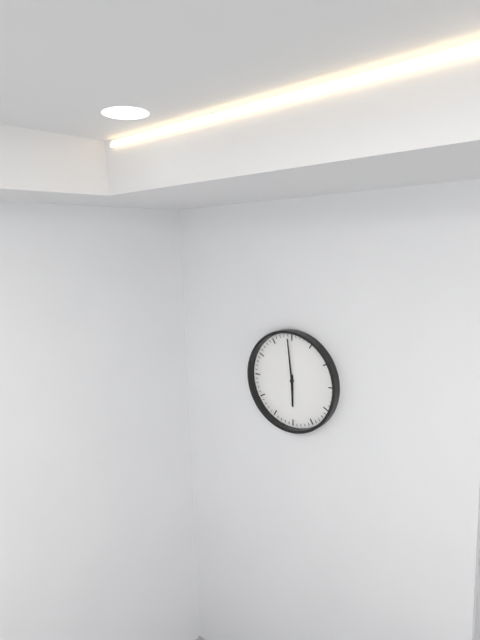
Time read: **5:59**
